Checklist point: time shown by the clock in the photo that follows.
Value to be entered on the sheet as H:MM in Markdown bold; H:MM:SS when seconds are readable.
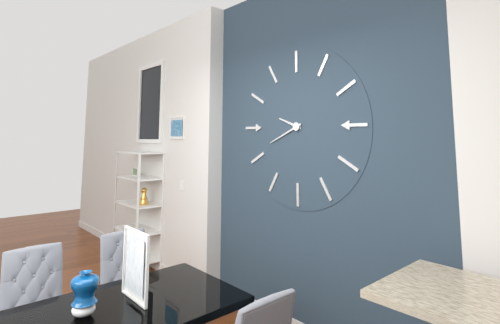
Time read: **9:41**
